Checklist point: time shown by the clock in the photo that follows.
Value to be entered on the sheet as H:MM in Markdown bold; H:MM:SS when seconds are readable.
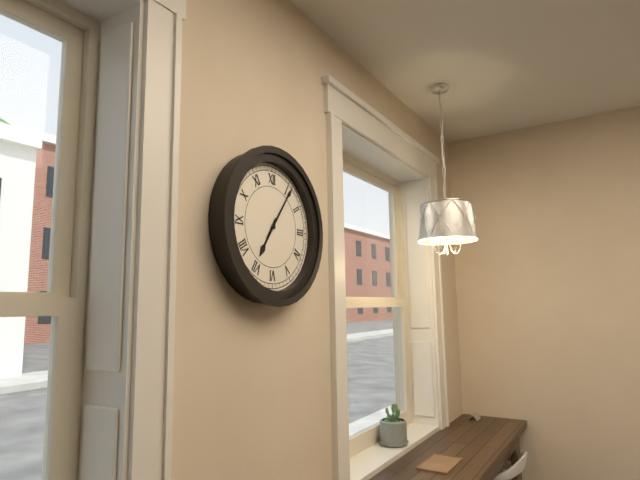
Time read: **7:06**
